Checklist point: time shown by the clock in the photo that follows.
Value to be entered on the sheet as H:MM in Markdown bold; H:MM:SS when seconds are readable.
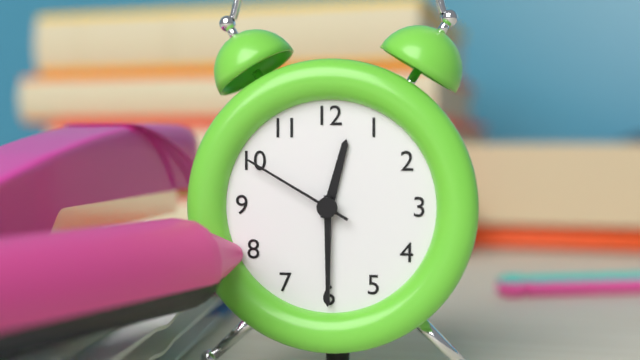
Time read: **12:30:50**
